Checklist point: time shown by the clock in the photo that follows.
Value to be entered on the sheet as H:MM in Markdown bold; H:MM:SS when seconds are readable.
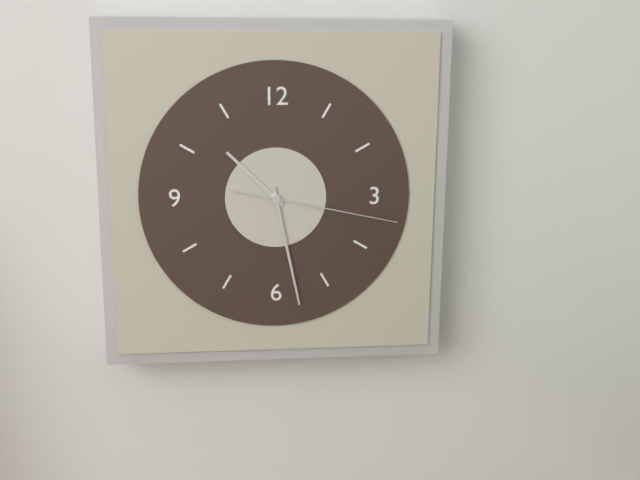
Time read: **10:28:17**
